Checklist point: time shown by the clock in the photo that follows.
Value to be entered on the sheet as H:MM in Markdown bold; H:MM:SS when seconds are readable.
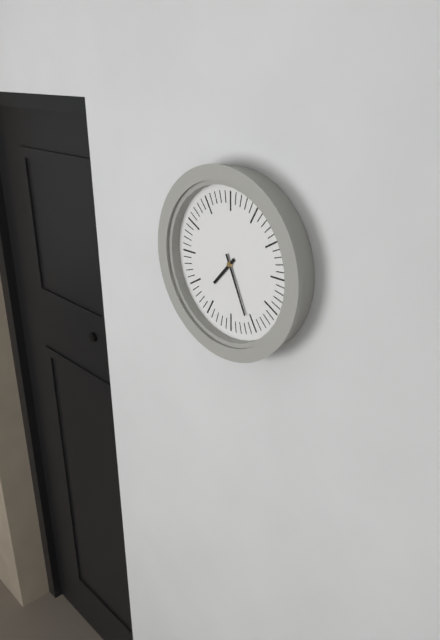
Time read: **7:26**
